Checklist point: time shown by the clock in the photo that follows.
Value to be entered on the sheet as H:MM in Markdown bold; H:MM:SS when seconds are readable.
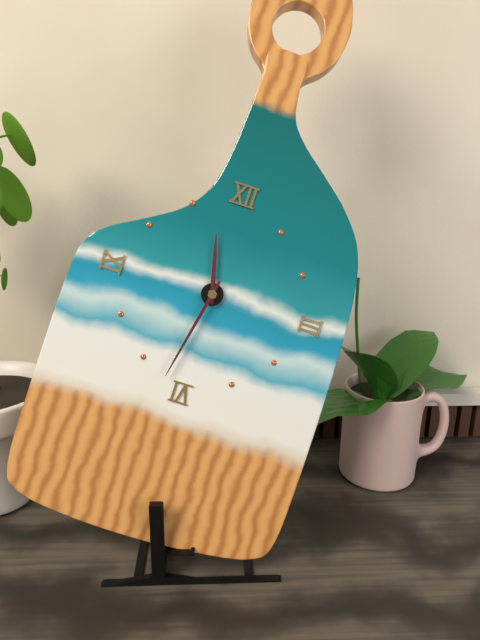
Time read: **11:32**
